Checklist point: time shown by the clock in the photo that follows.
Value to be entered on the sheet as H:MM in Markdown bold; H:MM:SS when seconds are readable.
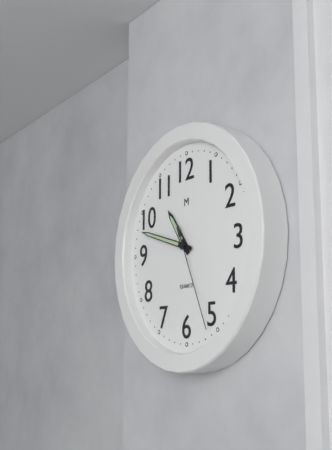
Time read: **10:48:26**
